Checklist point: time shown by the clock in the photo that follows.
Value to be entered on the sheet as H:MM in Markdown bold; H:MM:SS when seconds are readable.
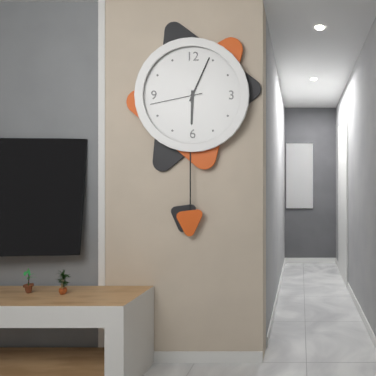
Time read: **6:04:43**
